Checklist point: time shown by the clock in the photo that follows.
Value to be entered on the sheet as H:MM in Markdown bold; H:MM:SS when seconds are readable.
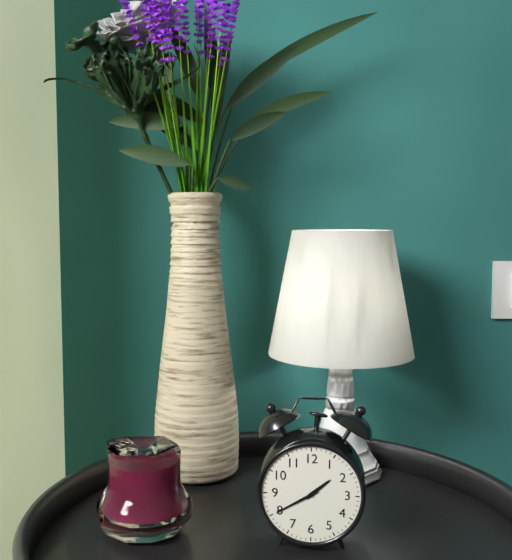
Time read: **1:40**
